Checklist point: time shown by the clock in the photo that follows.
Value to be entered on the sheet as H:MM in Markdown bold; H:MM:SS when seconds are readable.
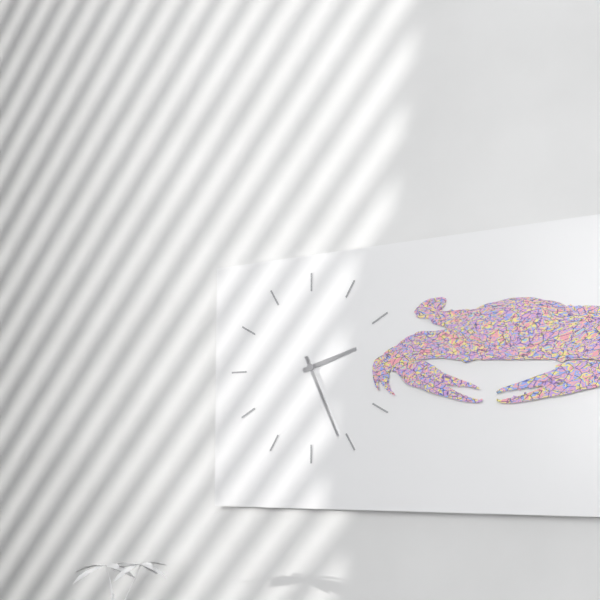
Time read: **2:26**
